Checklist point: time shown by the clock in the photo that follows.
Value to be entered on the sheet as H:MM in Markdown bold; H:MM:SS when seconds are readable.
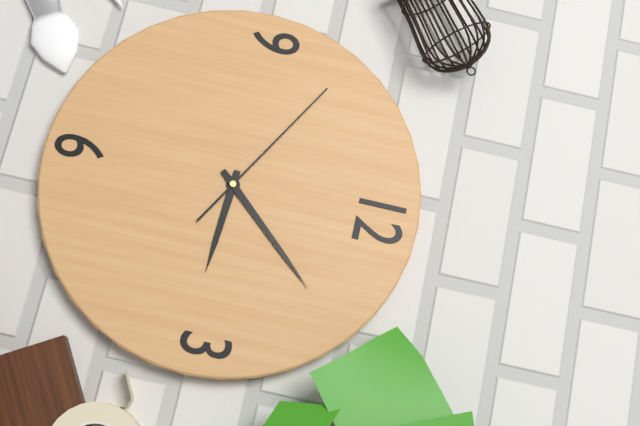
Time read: **3:07:50**
